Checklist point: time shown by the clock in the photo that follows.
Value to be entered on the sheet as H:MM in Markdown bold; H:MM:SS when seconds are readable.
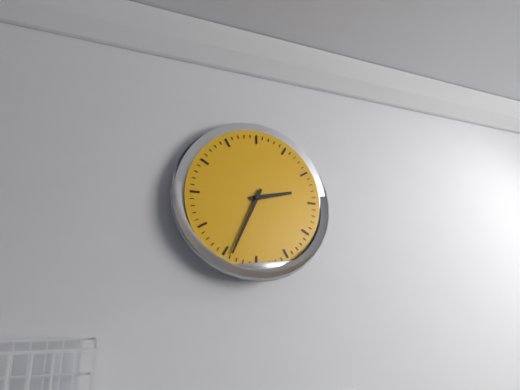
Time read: **2:34**
